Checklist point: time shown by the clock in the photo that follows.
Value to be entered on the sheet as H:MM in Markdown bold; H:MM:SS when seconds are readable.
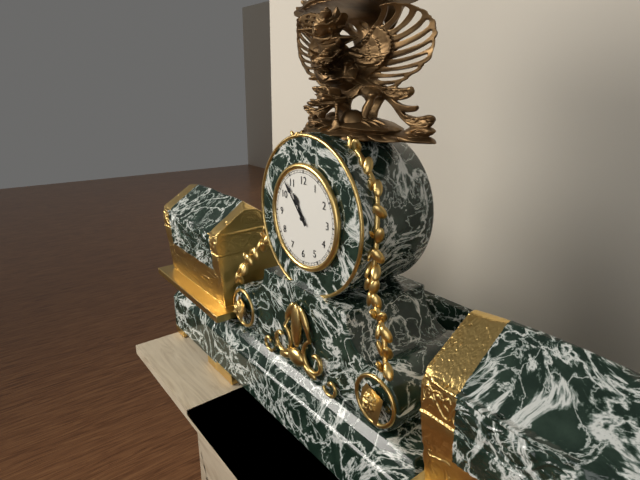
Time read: **10:53**
